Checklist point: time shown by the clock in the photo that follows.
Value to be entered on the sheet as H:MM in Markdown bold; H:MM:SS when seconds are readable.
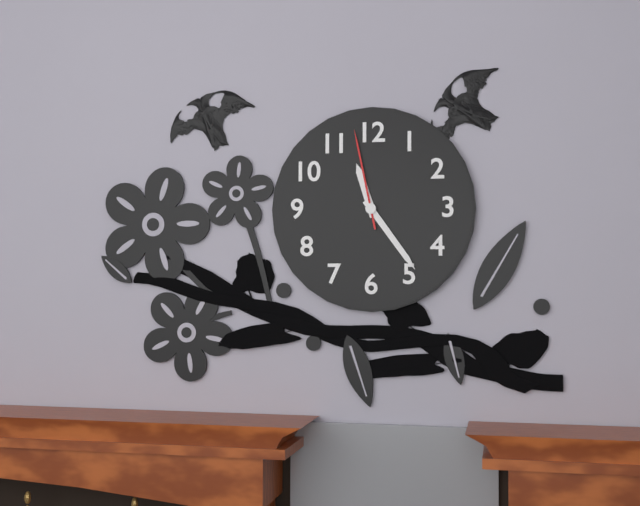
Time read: **11:24:58**
